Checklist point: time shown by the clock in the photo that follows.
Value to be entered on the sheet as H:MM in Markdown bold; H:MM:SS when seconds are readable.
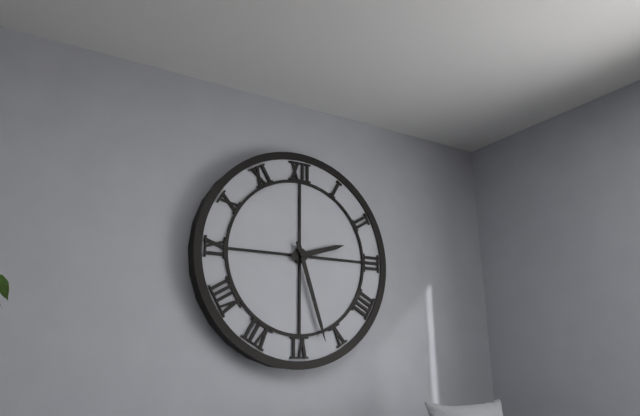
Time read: **2:27**
